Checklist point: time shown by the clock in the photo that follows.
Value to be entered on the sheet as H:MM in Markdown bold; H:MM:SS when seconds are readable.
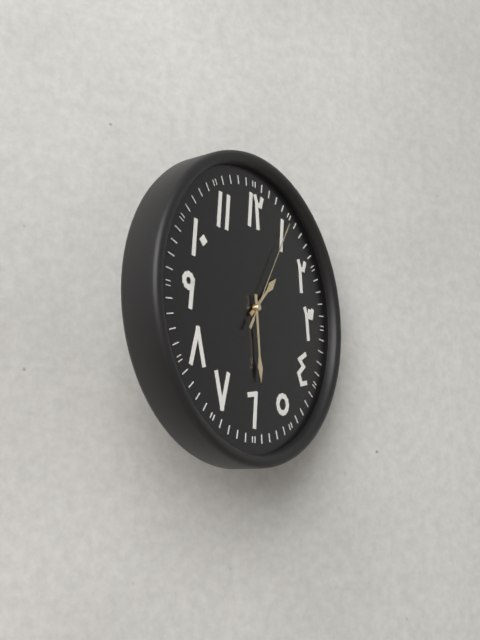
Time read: **1:29:05**
